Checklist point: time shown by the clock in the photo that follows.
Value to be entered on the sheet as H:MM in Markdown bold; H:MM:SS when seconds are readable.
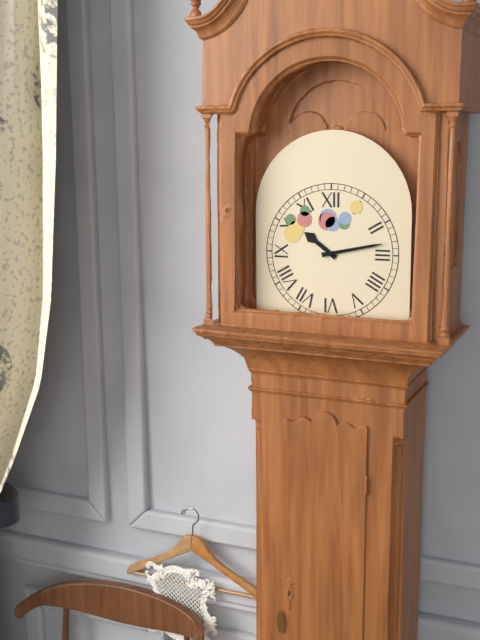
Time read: **10:13**
